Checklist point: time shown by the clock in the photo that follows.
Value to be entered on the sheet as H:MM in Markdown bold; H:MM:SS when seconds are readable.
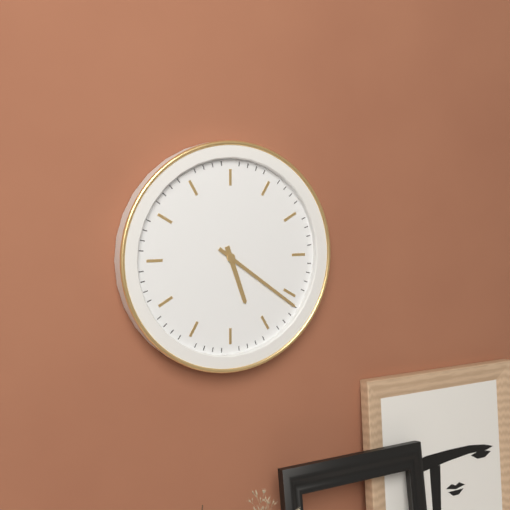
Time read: **5:21**
